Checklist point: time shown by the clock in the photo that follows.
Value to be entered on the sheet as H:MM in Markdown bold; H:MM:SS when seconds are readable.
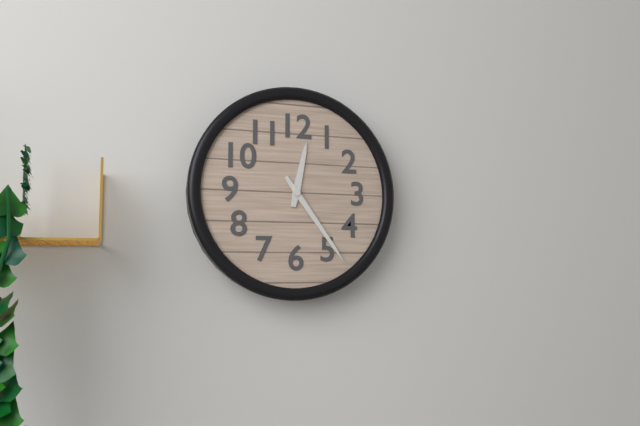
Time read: **12:24**
